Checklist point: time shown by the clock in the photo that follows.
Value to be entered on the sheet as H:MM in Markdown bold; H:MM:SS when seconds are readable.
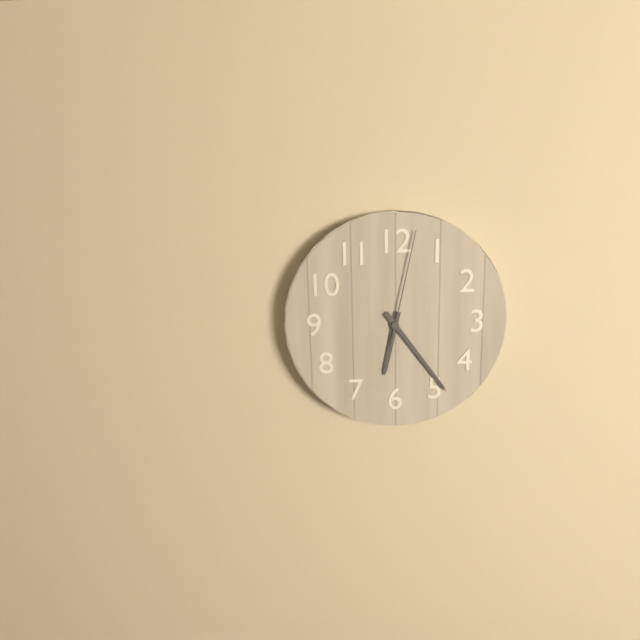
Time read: **6:24:02**
